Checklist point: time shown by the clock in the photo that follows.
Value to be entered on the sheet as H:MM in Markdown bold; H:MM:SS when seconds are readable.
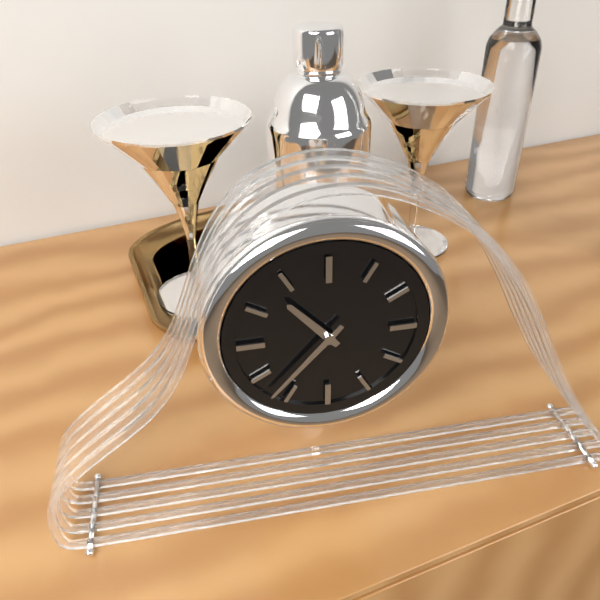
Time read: **10:37**
